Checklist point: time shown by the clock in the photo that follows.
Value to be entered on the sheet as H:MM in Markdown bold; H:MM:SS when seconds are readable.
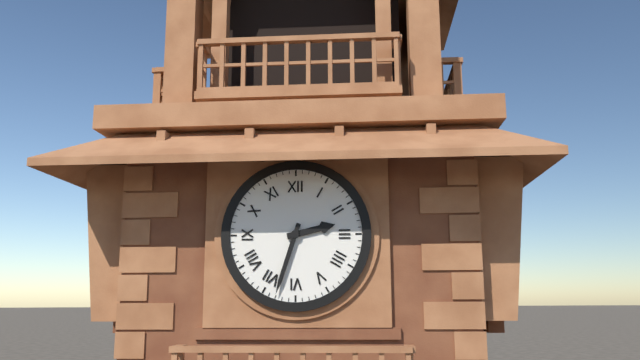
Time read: **2:33**
